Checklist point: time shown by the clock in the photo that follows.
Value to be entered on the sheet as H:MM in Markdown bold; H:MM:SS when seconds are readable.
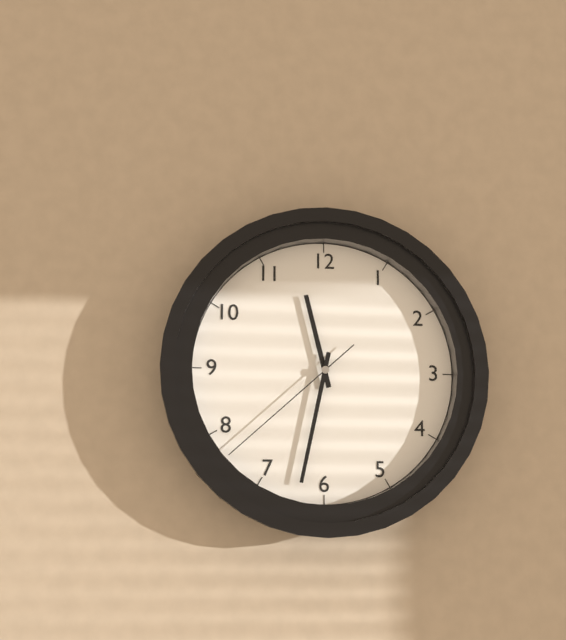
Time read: **11:32:38**
